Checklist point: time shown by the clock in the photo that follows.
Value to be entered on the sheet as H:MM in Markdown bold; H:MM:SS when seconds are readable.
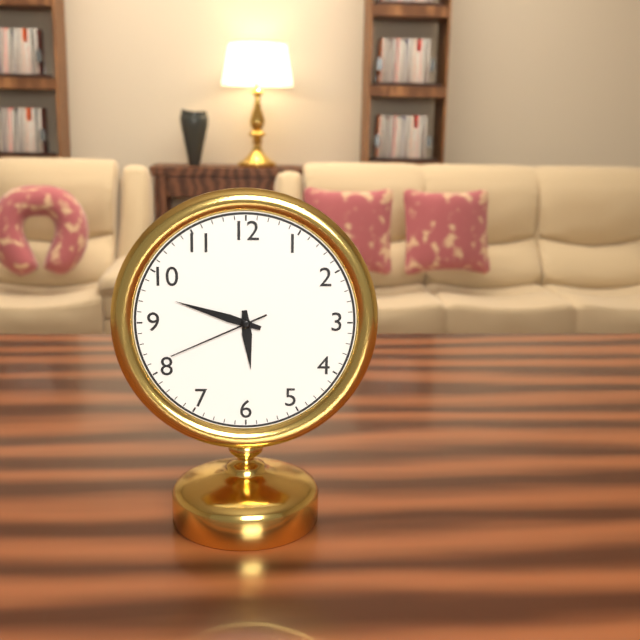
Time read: **5:48:41**
